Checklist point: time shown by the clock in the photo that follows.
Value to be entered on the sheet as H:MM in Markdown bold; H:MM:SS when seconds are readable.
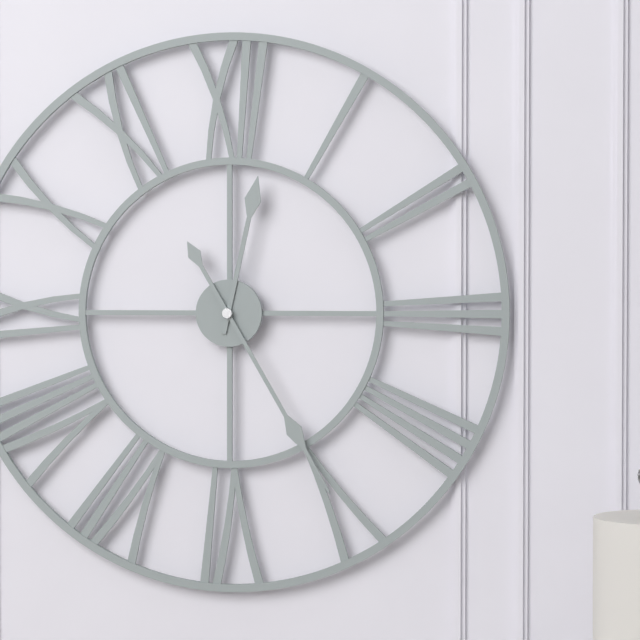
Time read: **12:25**
